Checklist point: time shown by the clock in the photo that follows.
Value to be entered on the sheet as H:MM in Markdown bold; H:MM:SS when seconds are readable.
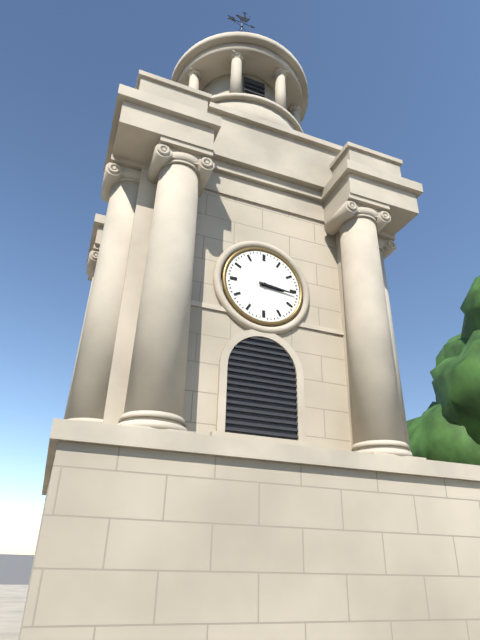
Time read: **3:16**
